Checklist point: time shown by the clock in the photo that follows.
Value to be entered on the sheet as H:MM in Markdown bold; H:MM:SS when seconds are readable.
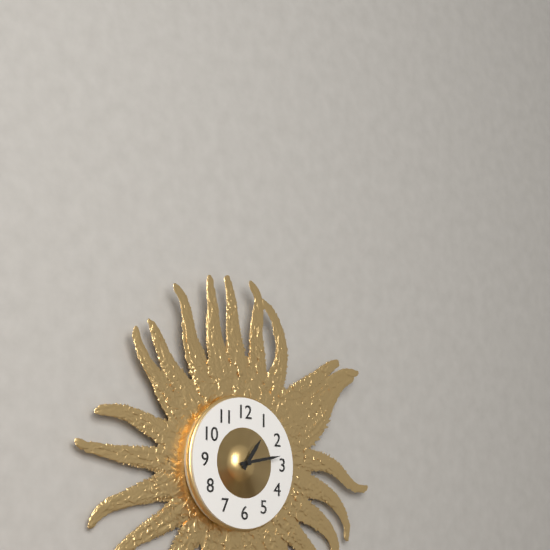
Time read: **1:13**
